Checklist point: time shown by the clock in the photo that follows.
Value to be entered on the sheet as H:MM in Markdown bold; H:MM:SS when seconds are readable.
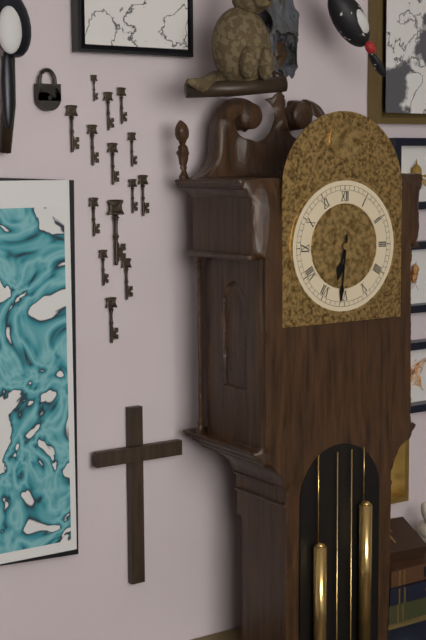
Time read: **6:31**
